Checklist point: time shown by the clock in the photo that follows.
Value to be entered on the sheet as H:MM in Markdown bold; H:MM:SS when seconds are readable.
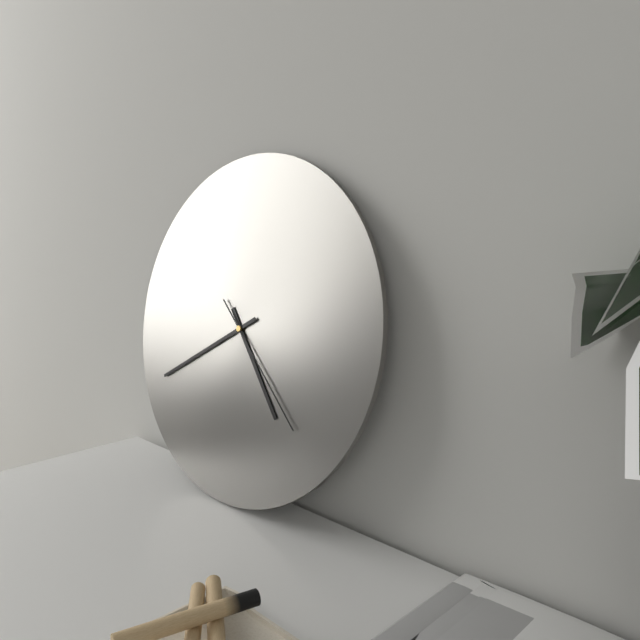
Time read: **4:40:22**
